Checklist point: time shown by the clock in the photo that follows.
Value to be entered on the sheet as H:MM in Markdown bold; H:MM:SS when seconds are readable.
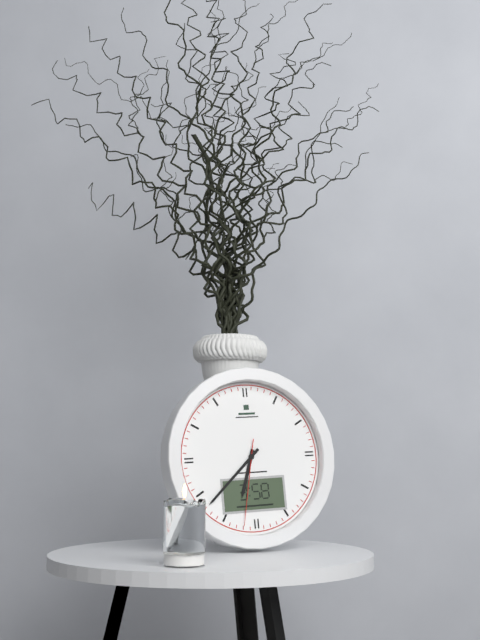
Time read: **6:38:32**
